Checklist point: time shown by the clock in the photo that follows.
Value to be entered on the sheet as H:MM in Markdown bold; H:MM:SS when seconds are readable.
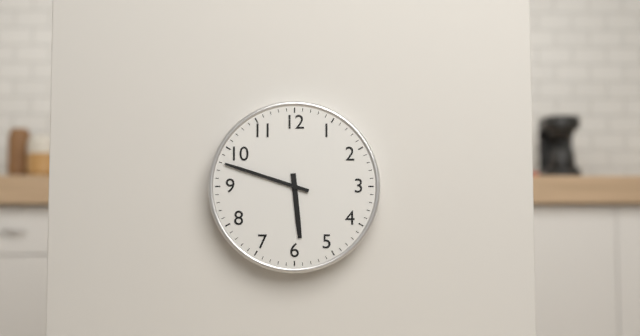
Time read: **5:48**
